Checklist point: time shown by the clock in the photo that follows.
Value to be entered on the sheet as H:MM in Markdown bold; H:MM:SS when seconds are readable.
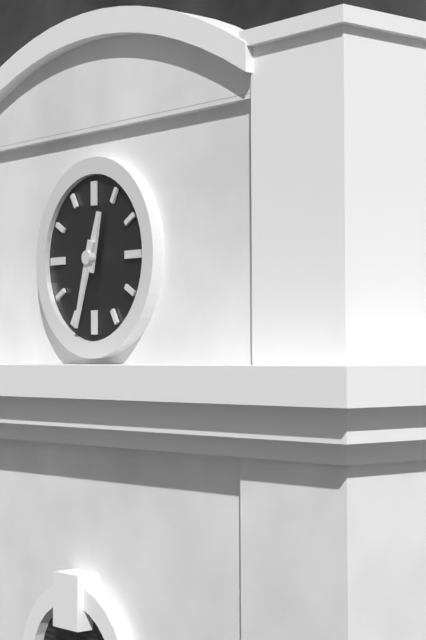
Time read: **12:33**
